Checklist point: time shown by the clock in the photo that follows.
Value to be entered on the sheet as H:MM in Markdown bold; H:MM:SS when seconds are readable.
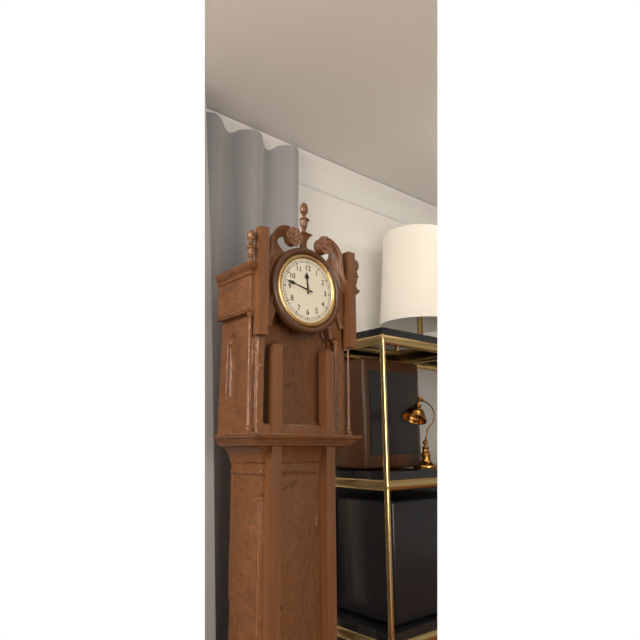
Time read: **11:47**
